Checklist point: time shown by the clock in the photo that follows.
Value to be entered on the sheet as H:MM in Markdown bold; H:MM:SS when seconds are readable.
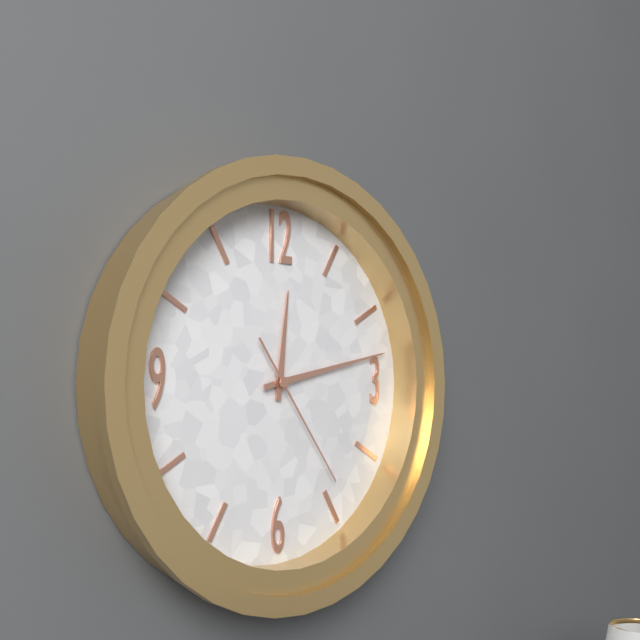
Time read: **12:13:24**
